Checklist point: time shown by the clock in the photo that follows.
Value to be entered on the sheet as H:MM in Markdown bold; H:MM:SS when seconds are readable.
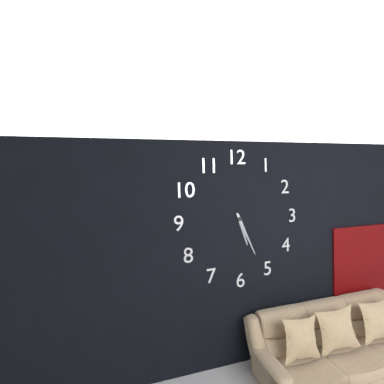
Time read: **5:26**
